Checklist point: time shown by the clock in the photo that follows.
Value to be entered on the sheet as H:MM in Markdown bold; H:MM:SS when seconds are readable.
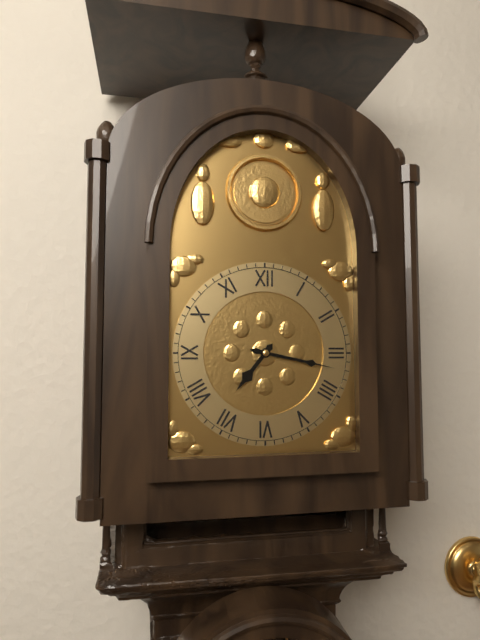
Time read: **7:17**
